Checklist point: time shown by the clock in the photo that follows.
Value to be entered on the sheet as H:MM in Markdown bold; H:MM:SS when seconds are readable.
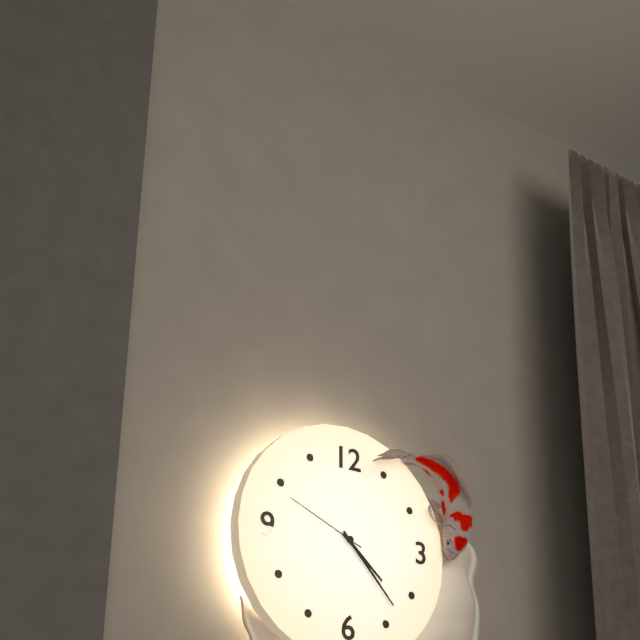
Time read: **4:23:49**
